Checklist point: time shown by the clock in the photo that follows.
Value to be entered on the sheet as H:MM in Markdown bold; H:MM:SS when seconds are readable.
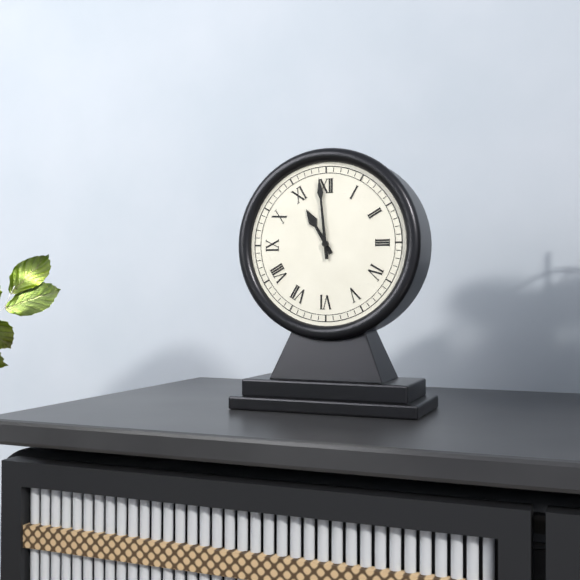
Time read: **10:59**
